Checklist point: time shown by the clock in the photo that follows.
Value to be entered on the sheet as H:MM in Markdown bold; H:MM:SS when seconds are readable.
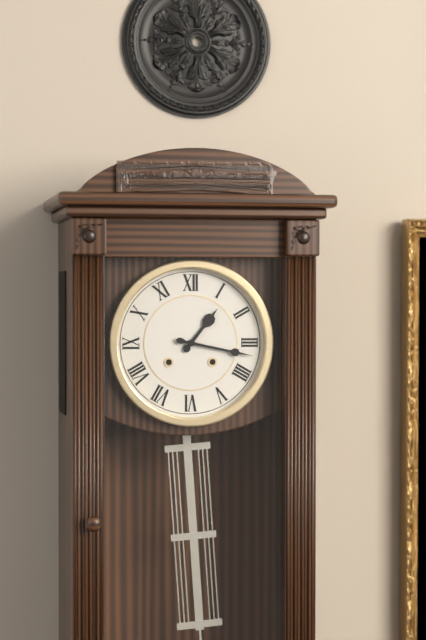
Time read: **1:17**
